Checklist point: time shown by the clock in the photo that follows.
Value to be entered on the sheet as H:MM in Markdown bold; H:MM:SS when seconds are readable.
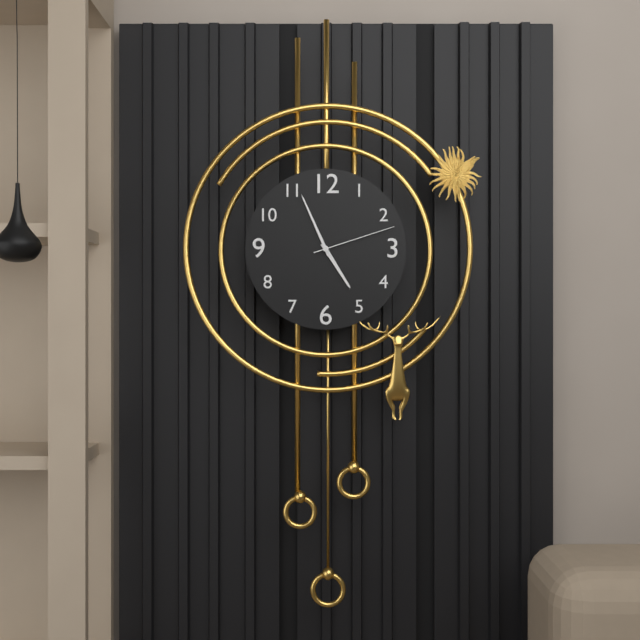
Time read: **4:56:12**
